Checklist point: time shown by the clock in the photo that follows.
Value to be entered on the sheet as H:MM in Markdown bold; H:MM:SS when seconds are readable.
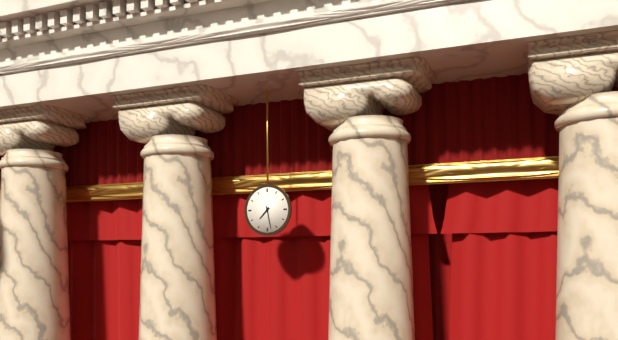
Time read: **7:28**
